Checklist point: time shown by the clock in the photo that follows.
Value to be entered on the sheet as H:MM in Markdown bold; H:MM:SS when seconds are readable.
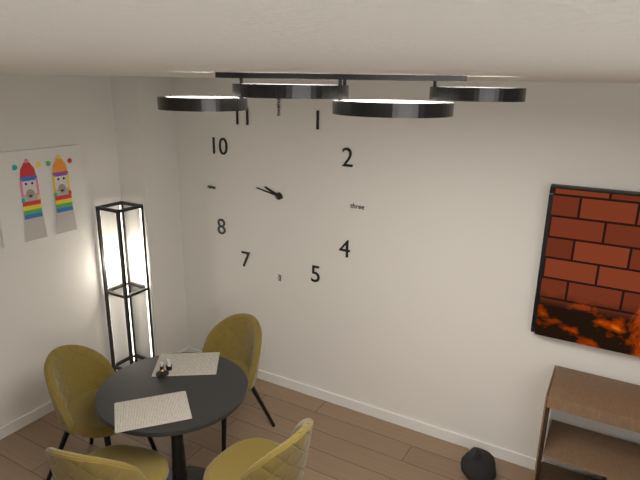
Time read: **9:47**
